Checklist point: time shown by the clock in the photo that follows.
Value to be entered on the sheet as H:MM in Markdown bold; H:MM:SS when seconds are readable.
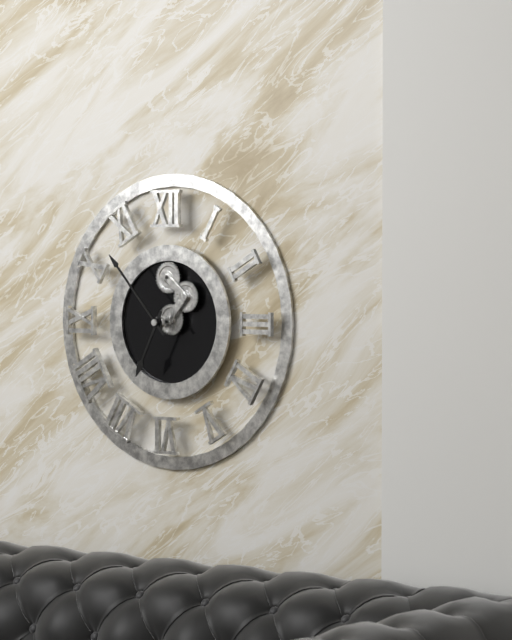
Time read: **6:53**
